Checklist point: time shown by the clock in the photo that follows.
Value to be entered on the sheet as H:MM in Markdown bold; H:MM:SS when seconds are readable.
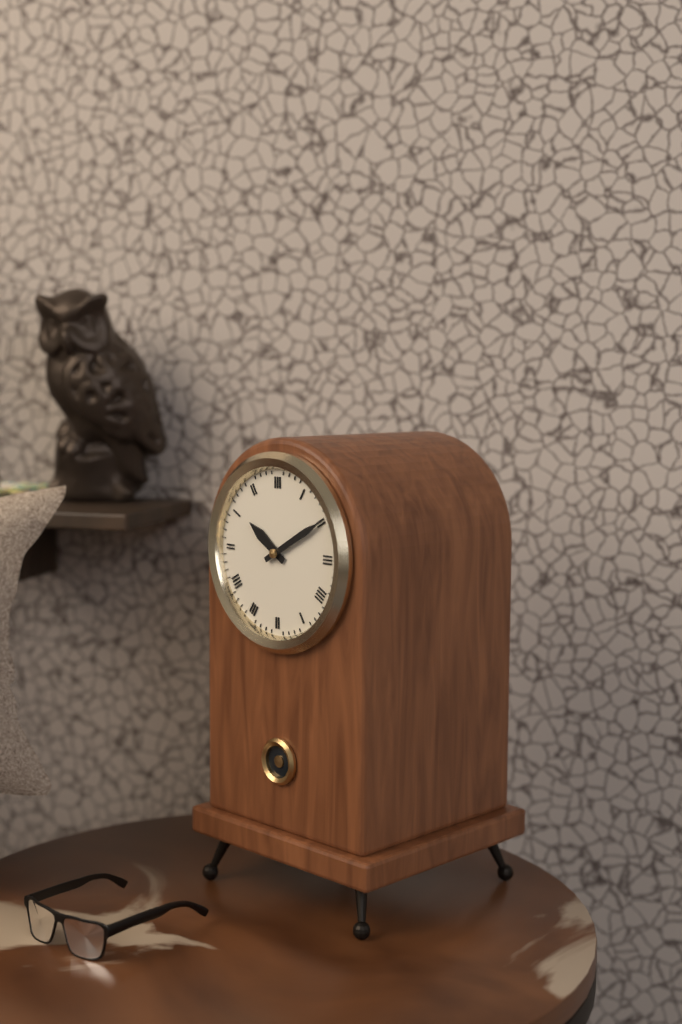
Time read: **10:10**
